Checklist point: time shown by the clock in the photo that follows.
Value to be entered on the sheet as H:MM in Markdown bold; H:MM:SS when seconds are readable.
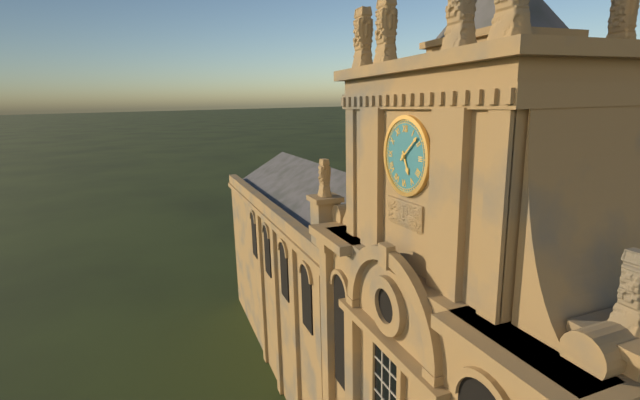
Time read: **5:08**
